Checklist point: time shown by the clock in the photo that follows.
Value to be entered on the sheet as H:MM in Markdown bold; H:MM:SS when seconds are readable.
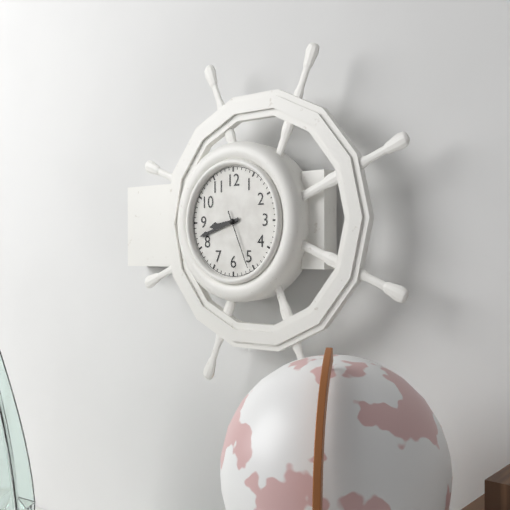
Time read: **8:42:26**
